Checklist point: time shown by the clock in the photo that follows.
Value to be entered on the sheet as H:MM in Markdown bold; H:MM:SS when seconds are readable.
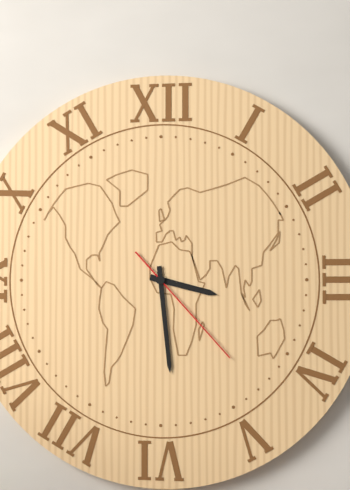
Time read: **3:29:23**
